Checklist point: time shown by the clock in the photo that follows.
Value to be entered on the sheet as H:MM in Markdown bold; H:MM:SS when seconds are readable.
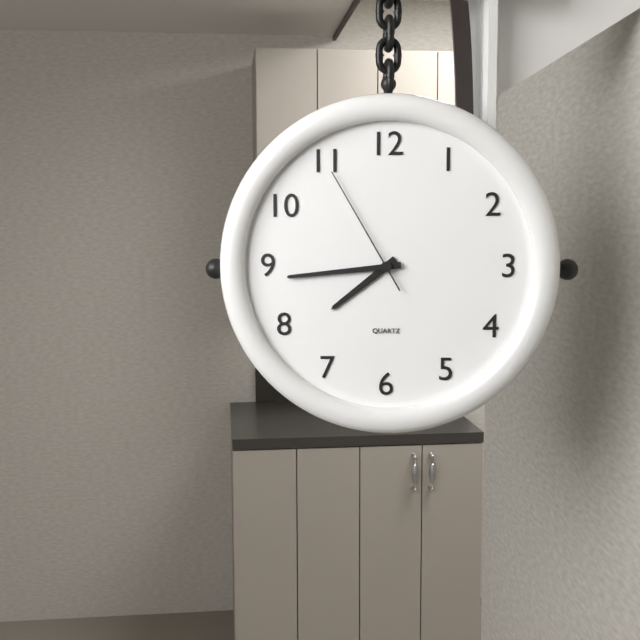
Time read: **7:44:55**
